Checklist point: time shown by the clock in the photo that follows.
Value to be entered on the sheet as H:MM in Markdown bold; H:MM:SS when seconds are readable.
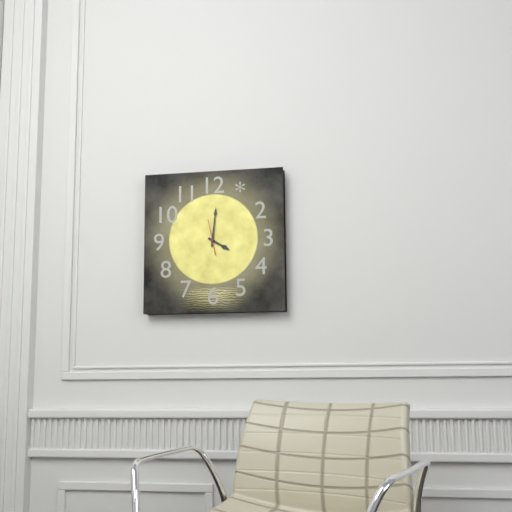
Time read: **4:01**
